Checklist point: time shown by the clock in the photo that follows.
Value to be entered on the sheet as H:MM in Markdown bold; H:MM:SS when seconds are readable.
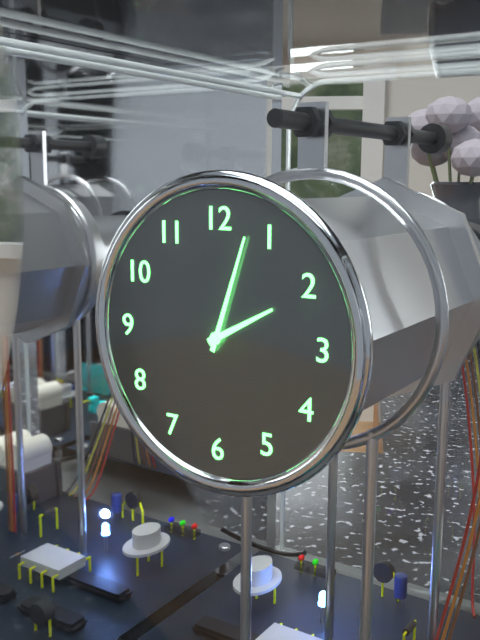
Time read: **2:03**
